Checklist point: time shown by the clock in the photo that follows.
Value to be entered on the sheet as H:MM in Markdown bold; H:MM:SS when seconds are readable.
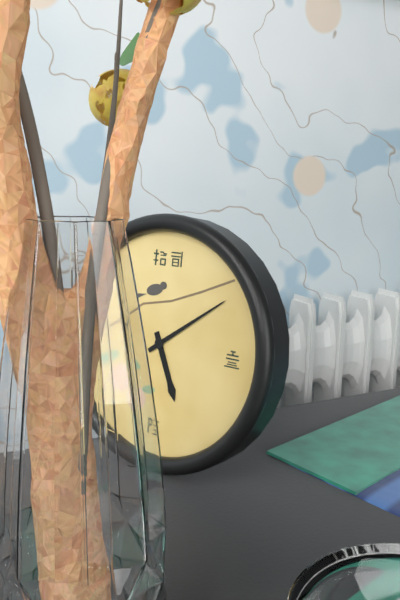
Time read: **5:09**
